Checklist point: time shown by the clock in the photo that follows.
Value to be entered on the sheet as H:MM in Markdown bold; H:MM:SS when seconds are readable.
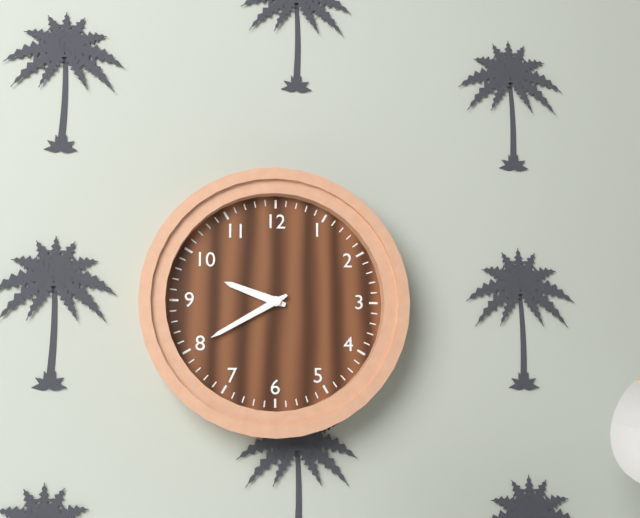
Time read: **9:40**
